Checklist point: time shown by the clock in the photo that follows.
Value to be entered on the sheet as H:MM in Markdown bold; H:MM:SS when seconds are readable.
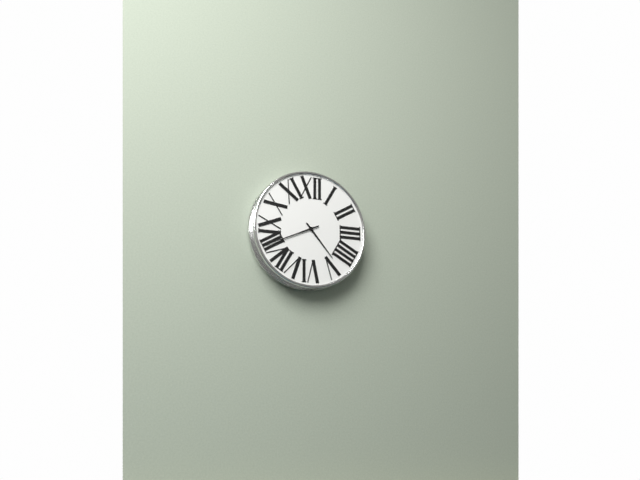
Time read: **4:41**
